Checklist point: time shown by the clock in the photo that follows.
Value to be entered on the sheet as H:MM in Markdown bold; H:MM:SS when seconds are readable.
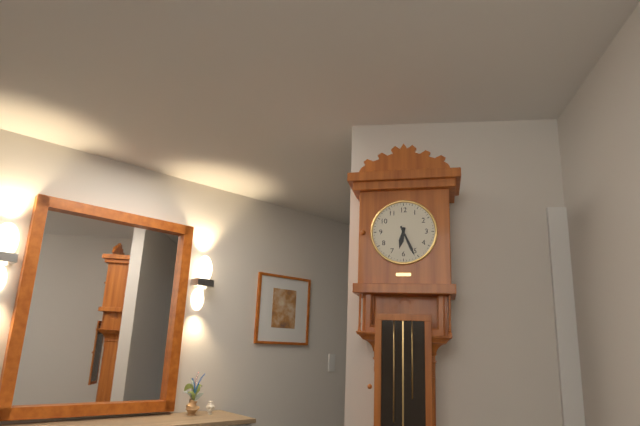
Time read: **6:26**
